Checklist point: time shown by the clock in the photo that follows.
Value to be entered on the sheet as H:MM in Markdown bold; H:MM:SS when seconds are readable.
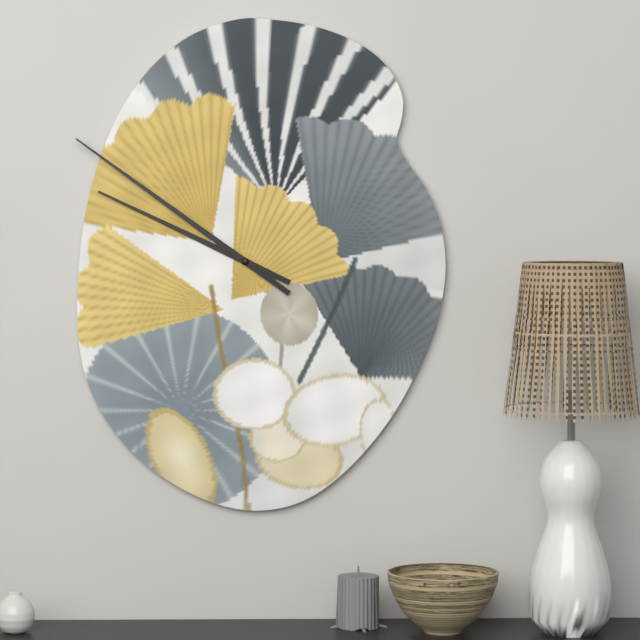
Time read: **9:51**
